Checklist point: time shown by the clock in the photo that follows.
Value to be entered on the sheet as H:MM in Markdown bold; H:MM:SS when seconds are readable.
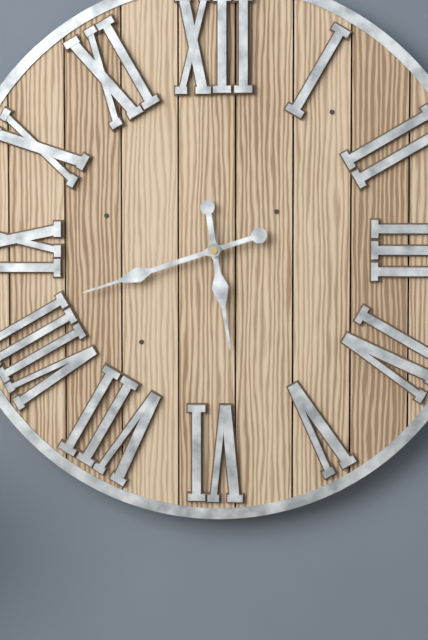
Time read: **5:42**
